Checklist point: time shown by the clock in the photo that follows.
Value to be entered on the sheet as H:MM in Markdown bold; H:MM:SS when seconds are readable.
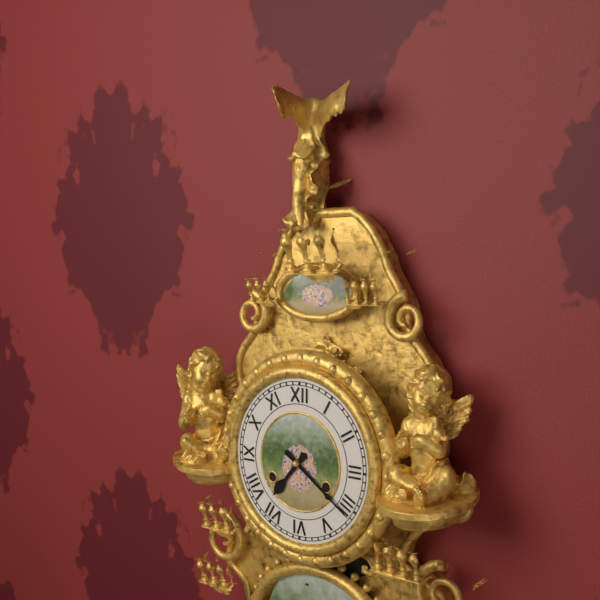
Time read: **7:21**
